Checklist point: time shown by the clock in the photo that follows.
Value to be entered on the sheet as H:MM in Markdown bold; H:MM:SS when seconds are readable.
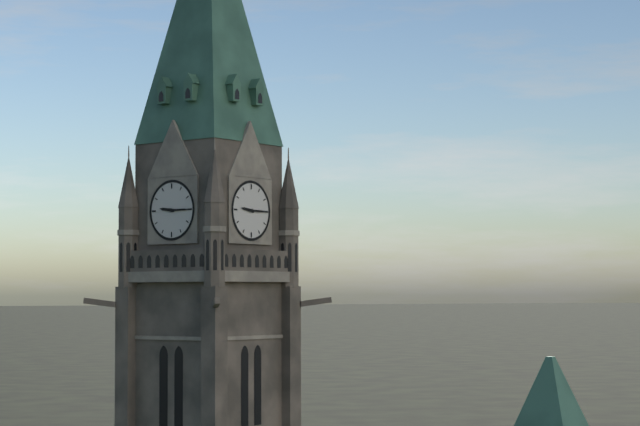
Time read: **9:15**
